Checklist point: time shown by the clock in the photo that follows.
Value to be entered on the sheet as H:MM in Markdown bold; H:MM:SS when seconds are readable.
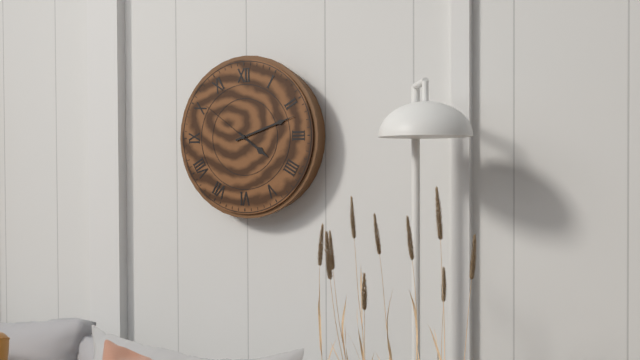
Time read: **4:12:51**
